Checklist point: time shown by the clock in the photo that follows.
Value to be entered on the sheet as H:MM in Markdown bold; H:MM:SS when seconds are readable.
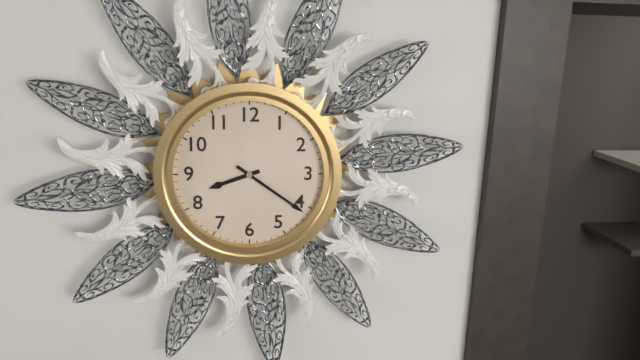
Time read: **8:21**
